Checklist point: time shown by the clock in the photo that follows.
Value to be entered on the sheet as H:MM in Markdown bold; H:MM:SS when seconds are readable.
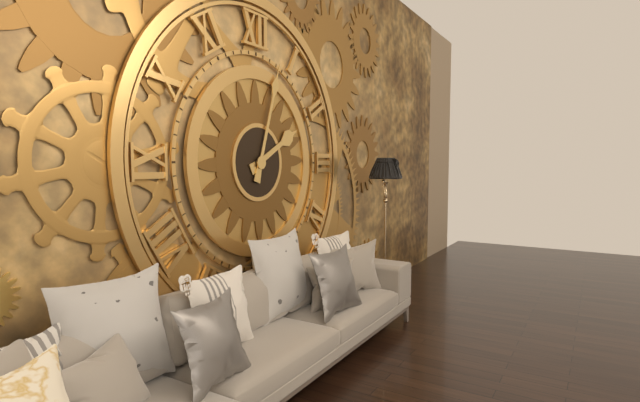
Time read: **2:03**
